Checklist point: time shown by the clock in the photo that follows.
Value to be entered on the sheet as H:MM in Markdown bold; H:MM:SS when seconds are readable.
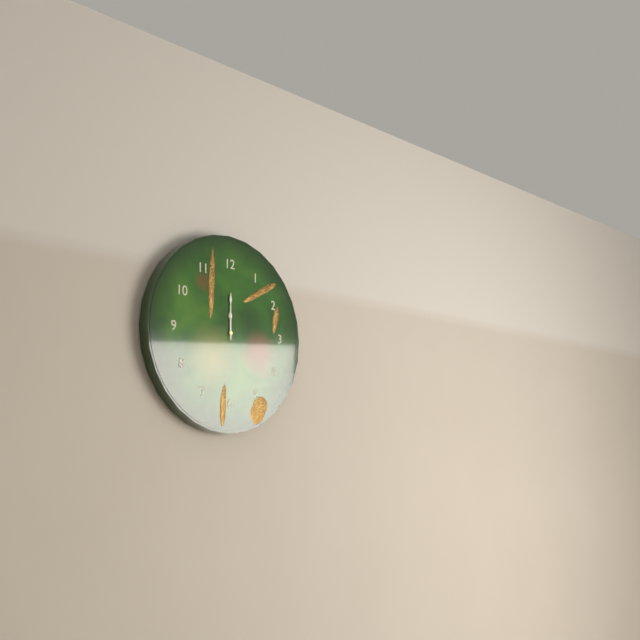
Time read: **12:00**
